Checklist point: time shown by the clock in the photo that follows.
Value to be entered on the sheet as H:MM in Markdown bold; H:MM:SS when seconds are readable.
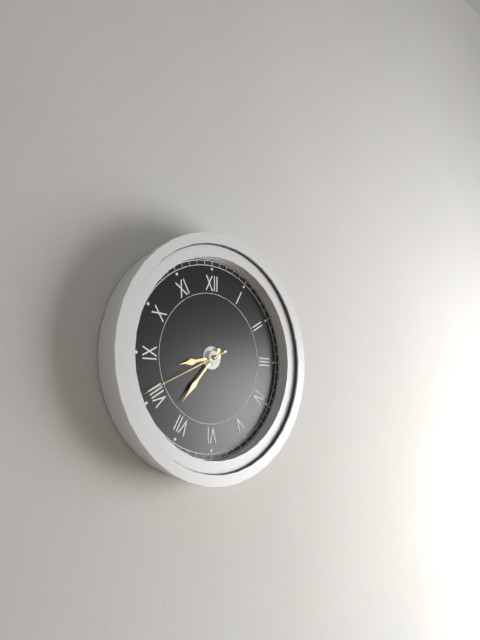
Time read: **8:37:41**
